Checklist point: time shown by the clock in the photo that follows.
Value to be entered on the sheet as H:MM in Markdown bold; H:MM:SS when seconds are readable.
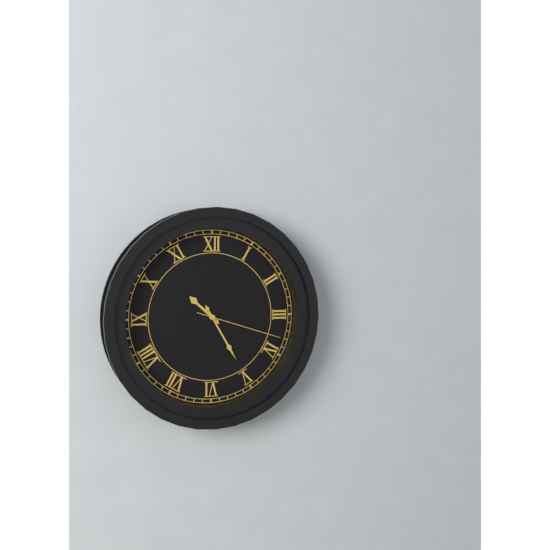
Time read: **10:25:18**
